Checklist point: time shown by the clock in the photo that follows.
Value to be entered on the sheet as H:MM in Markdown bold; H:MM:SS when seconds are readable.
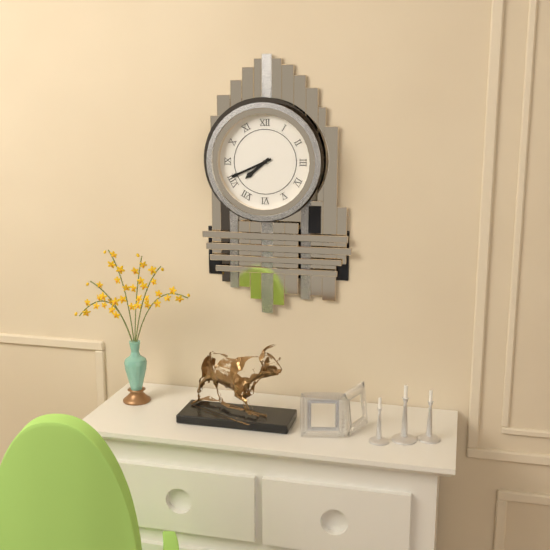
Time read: **7:41**
